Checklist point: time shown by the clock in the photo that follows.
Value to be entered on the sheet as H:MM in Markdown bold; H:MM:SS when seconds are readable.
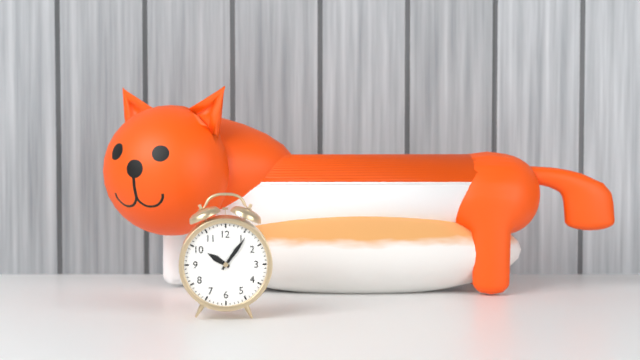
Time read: **10:06**
